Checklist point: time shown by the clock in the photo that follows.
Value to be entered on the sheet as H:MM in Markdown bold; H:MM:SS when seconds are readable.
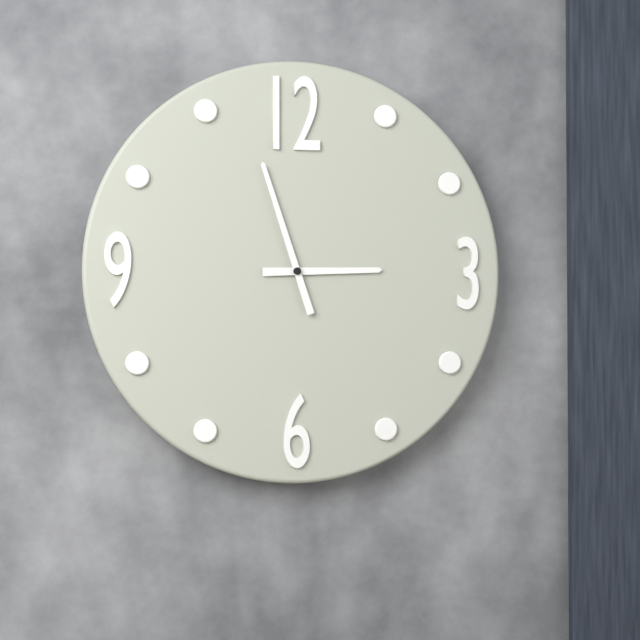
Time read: **2:57**
